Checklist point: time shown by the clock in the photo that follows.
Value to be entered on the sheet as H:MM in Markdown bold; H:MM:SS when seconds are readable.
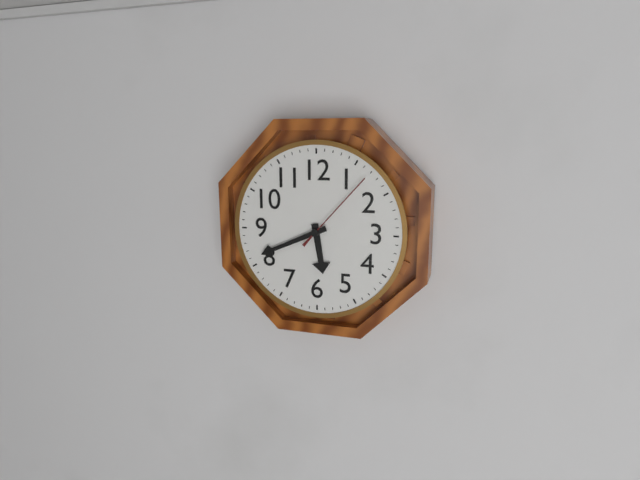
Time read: **5:41:07**
